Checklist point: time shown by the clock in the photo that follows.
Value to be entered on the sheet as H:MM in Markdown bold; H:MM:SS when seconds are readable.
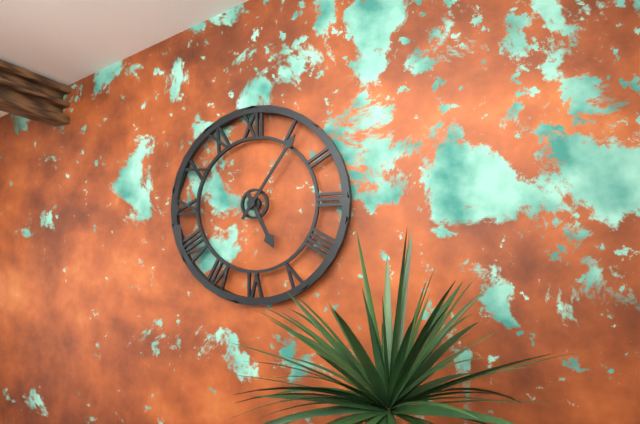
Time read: **5:06**
